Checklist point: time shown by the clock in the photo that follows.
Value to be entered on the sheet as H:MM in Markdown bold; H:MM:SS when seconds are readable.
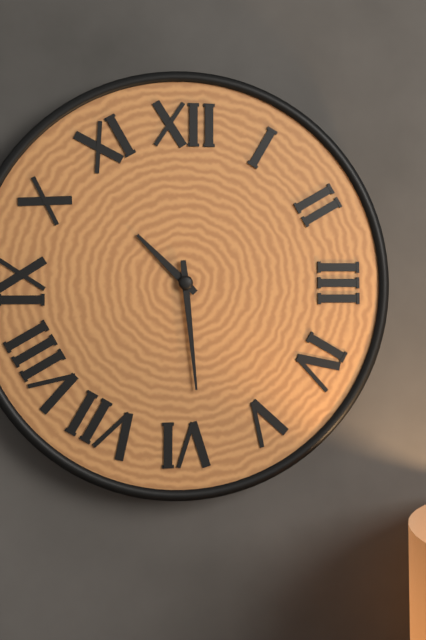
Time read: **10:29**
